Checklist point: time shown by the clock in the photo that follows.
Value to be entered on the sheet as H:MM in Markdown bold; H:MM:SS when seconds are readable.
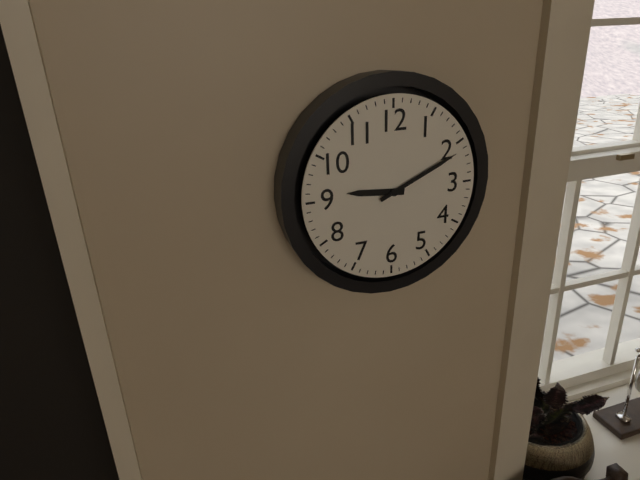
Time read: **9:11**
